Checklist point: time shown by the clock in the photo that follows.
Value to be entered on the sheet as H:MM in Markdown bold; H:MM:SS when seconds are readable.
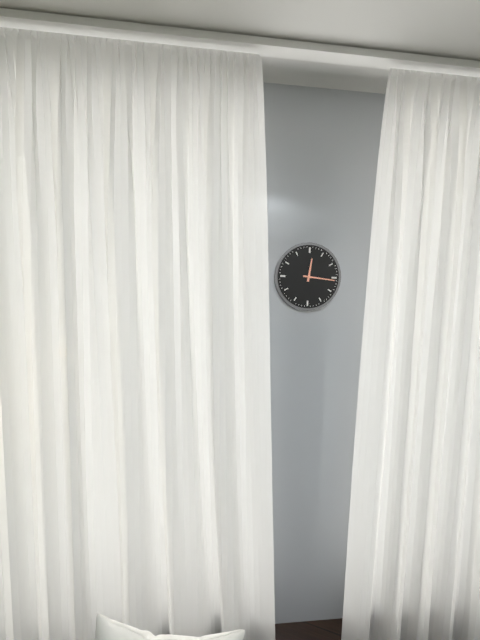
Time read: **12:16**
